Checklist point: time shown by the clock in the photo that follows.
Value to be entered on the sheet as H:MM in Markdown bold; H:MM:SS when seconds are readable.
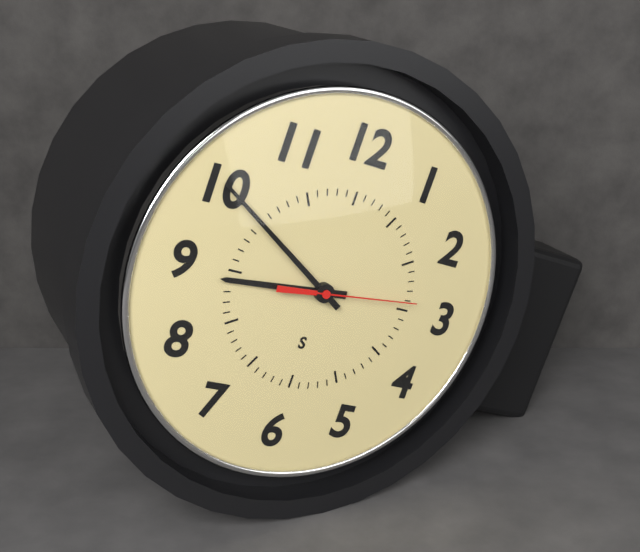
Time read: **8:50:14**
